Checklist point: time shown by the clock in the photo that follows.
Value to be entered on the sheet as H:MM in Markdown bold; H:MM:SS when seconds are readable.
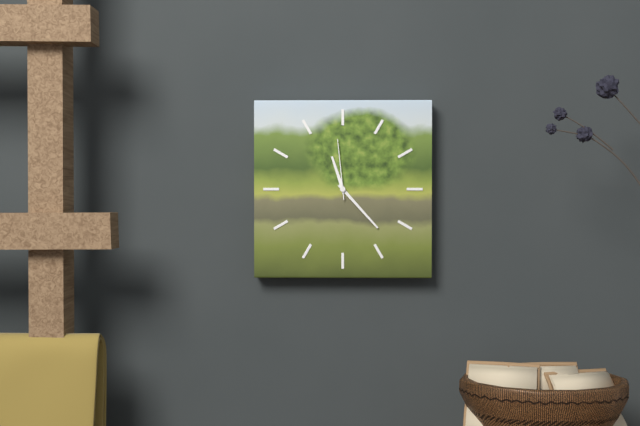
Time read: **11:23:59**
